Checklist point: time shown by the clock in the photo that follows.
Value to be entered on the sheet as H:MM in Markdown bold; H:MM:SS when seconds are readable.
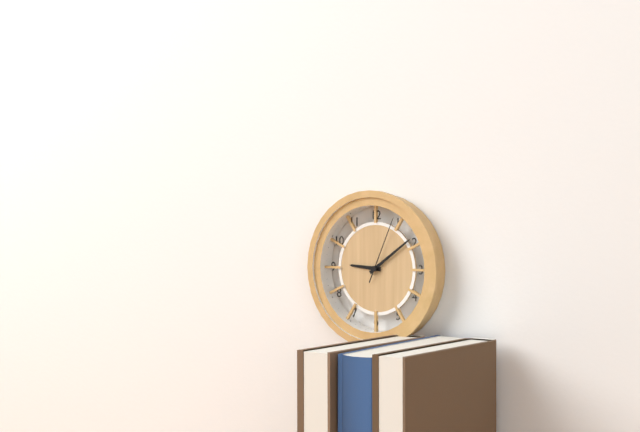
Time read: **9:09:04**
